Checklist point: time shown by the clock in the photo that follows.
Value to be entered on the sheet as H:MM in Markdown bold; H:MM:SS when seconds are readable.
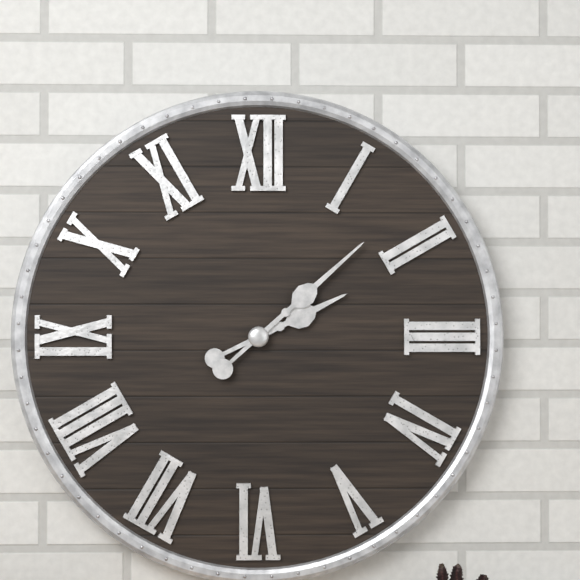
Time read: **2:08**
